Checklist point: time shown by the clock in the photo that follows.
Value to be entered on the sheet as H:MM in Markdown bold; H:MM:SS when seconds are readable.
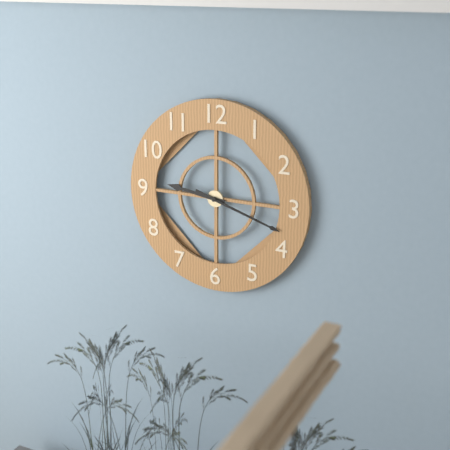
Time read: **9:18**
